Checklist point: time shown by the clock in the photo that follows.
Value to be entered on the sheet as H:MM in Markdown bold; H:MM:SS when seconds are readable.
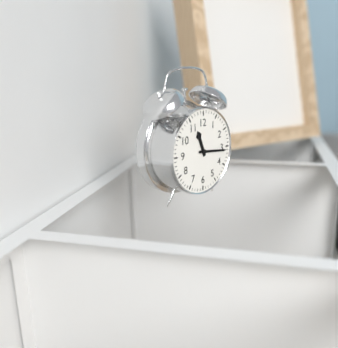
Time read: **11:16**
